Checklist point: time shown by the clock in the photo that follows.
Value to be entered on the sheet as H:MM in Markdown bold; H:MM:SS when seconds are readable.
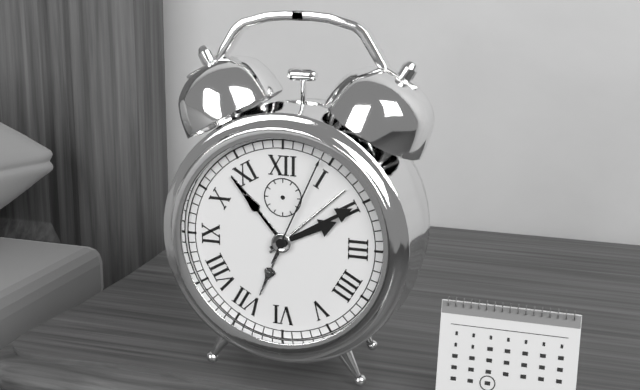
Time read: **2:10:04**
